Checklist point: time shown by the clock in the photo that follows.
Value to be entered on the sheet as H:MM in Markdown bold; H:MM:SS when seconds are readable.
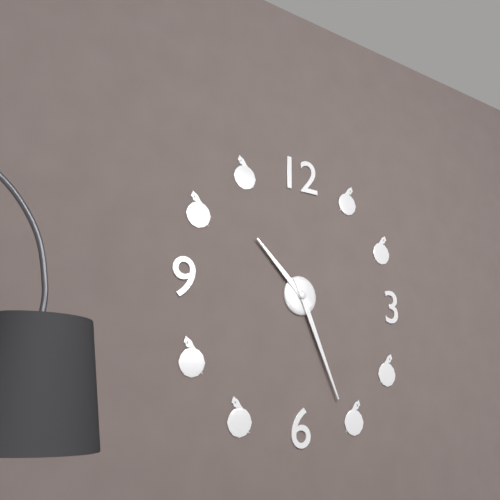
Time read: **10:26**
